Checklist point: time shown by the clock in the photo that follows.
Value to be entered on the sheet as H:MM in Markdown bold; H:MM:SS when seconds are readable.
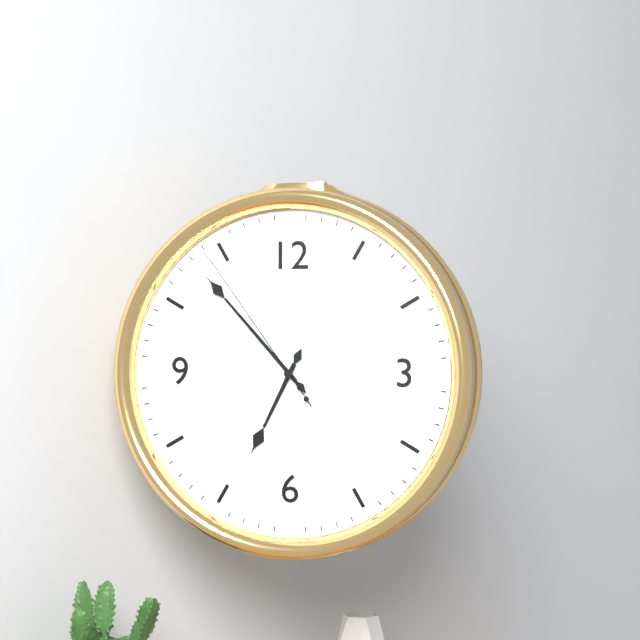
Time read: **6:53:54**
